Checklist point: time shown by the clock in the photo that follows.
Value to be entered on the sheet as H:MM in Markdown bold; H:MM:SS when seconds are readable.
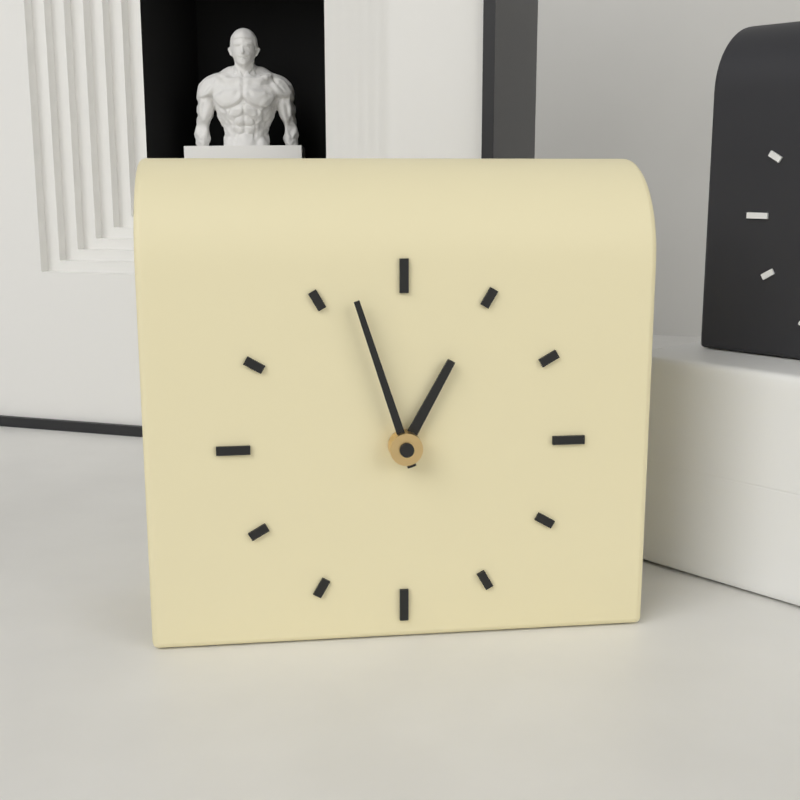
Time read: **12:57**
